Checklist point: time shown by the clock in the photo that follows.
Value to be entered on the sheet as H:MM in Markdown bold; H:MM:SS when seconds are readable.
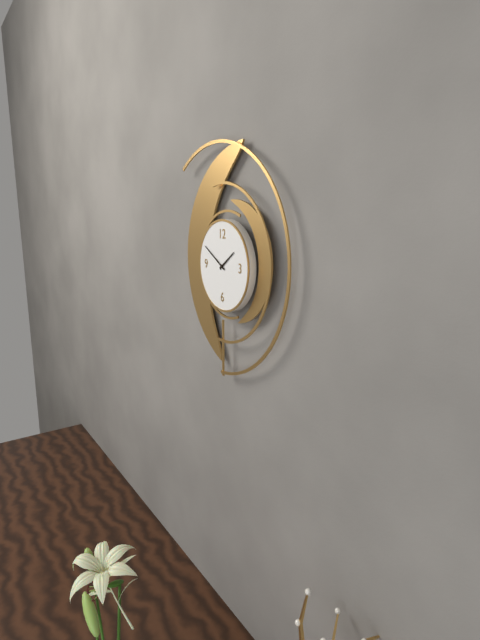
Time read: **1:50**
